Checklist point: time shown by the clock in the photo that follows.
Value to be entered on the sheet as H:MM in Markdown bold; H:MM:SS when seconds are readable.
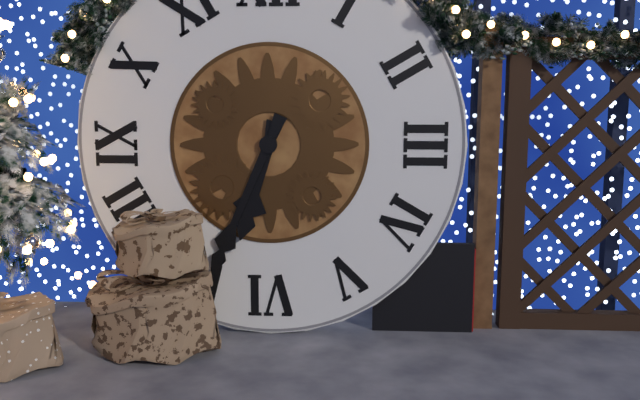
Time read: **6:34**
